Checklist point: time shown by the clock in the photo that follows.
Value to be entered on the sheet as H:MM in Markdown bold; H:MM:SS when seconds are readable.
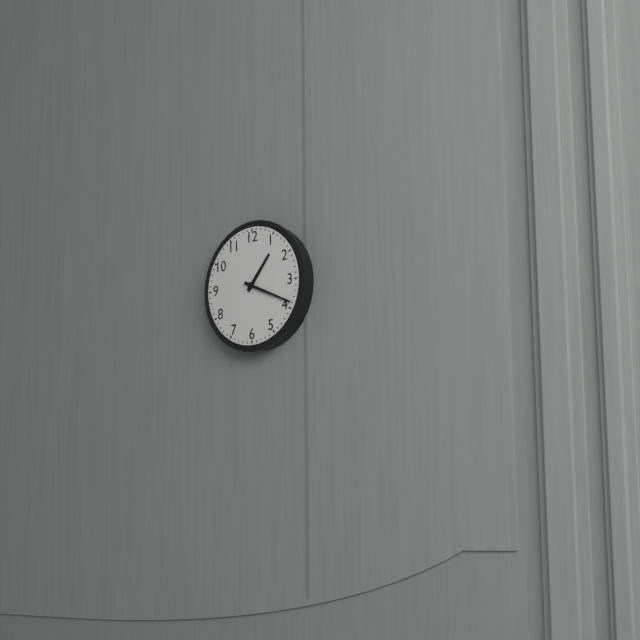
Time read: **1:19**
